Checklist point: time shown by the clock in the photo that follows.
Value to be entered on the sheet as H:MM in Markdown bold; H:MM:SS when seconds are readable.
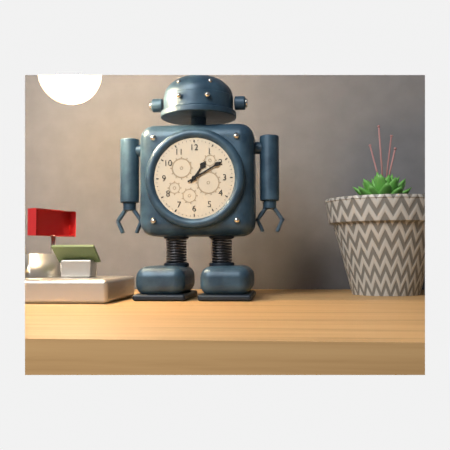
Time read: **1:10**
